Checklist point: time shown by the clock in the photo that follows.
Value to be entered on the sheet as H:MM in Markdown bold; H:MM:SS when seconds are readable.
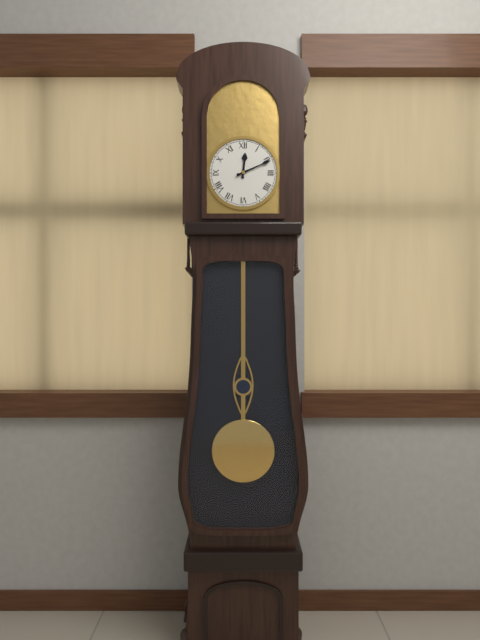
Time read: **12:11**
